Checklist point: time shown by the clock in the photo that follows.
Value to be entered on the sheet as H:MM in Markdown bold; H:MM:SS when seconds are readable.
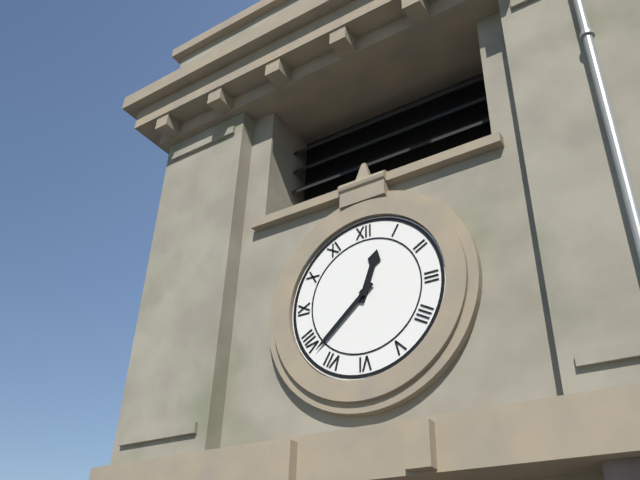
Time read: **12:38**
